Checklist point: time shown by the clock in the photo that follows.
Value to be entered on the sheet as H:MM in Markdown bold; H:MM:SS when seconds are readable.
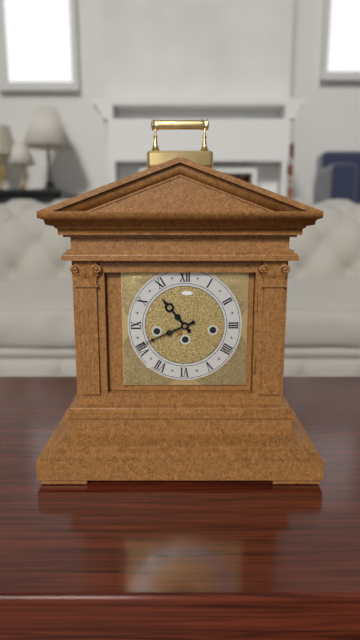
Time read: **10:41**
